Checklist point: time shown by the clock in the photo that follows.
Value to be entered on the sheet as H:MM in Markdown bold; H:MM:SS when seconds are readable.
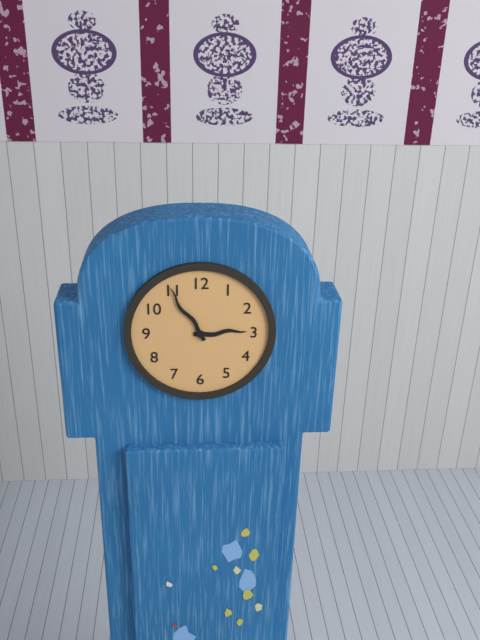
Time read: **2:55**
